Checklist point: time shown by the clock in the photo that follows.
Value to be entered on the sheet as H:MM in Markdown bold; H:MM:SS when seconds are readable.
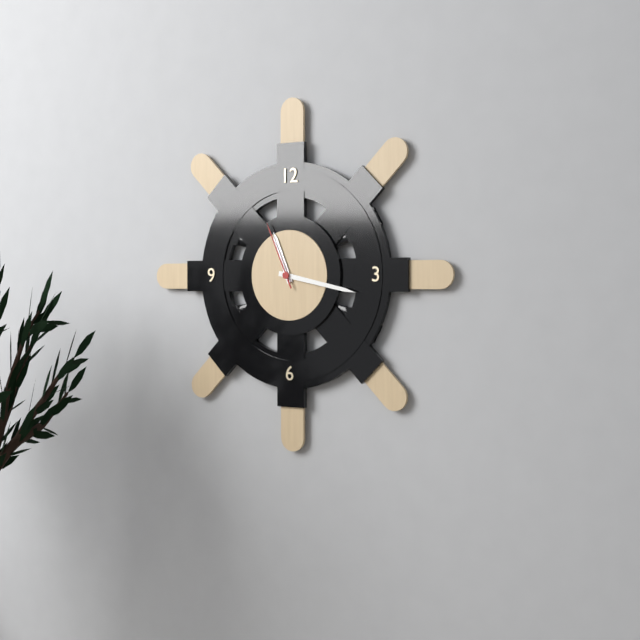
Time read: **11:17:56**
